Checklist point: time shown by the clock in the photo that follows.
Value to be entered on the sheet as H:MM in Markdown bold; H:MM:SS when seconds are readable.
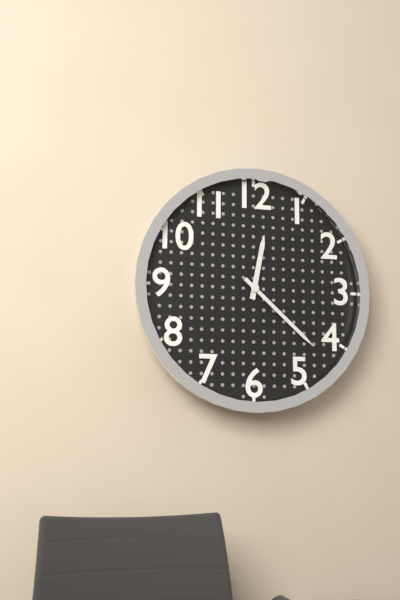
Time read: **12:22**
